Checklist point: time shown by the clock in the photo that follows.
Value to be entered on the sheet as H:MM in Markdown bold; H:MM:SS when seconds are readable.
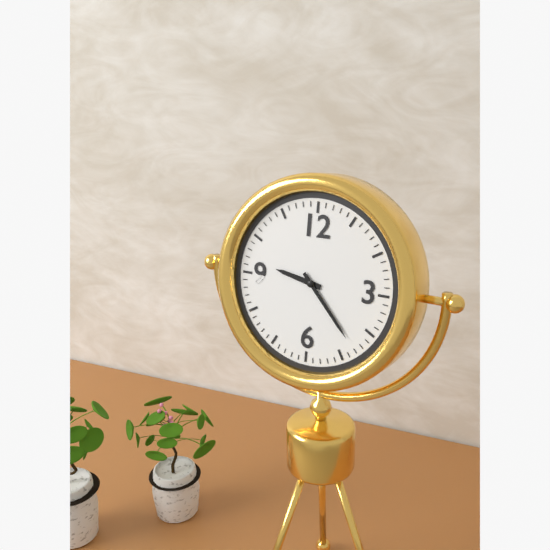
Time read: **9:23**
